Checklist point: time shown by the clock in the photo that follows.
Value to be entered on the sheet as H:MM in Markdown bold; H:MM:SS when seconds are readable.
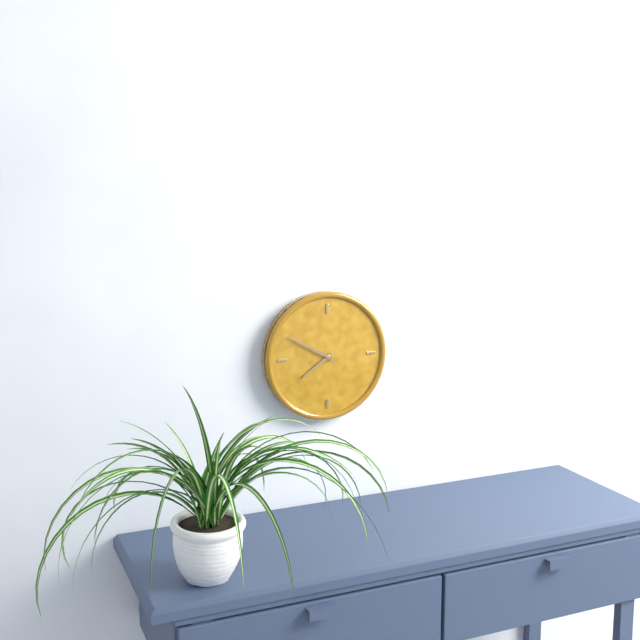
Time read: **7:50**
